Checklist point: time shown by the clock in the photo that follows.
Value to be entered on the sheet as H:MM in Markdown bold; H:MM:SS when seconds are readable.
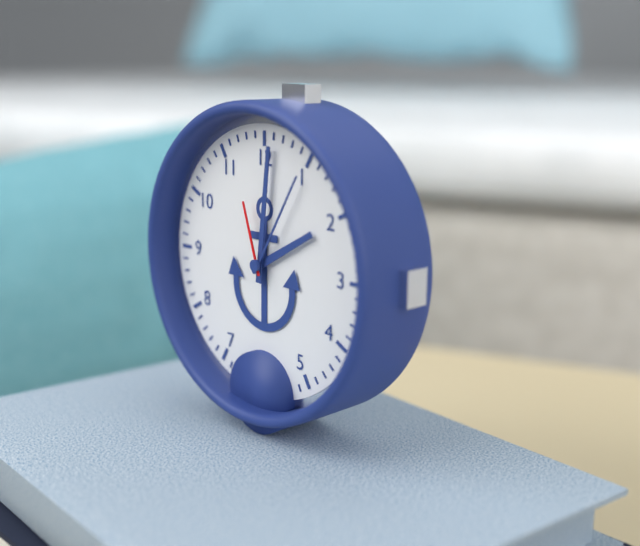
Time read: **2:01:57**
